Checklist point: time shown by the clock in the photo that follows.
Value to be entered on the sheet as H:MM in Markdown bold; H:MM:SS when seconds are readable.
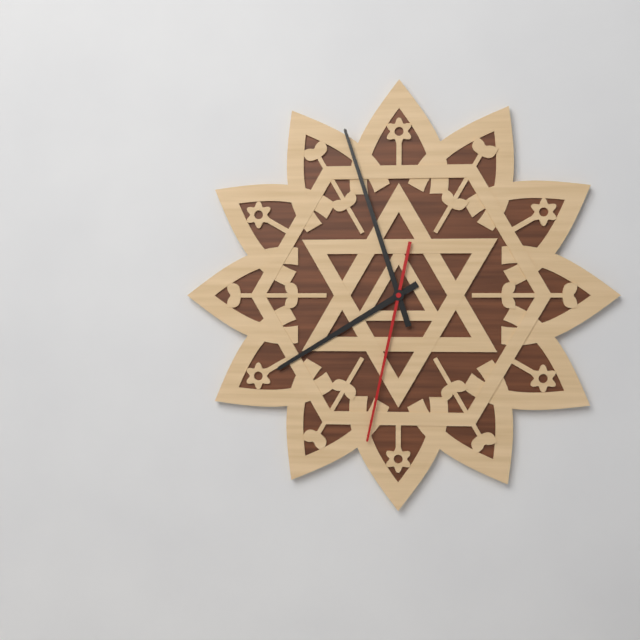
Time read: **7:57:32**
